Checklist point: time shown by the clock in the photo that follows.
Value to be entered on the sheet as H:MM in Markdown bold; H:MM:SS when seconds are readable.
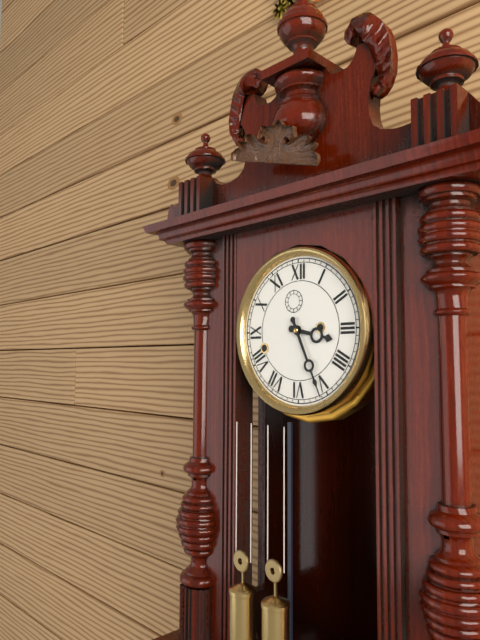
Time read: **3:26**
